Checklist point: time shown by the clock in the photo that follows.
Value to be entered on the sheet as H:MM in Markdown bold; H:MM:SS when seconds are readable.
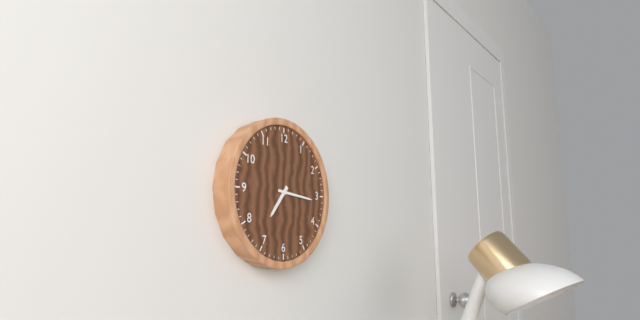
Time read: **7:16**
